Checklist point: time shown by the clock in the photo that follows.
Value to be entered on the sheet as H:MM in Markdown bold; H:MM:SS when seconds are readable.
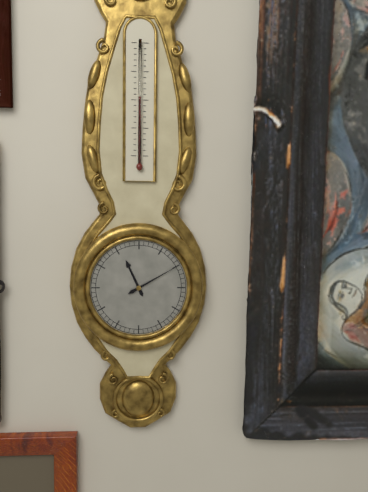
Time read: **11:10**
